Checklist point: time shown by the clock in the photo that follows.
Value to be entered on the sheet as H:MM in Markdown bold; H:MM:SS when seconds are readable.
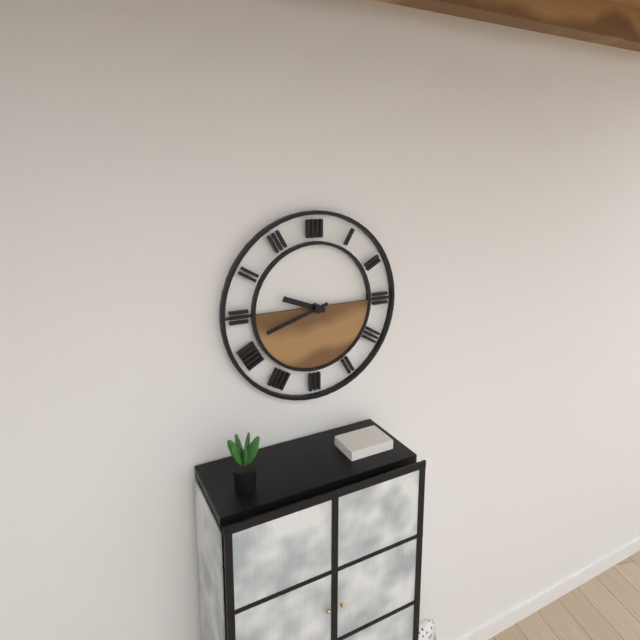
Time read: **9:42**
